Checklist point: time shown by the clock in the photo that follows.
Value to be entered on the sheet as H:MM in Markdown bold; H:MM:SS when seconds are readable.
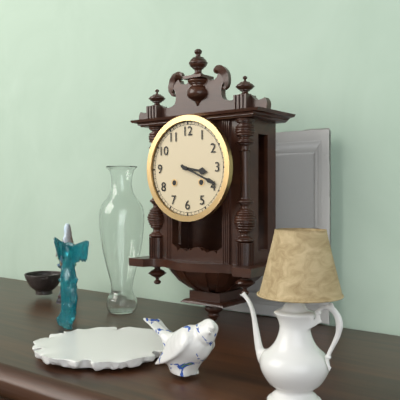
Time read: **3:19**
